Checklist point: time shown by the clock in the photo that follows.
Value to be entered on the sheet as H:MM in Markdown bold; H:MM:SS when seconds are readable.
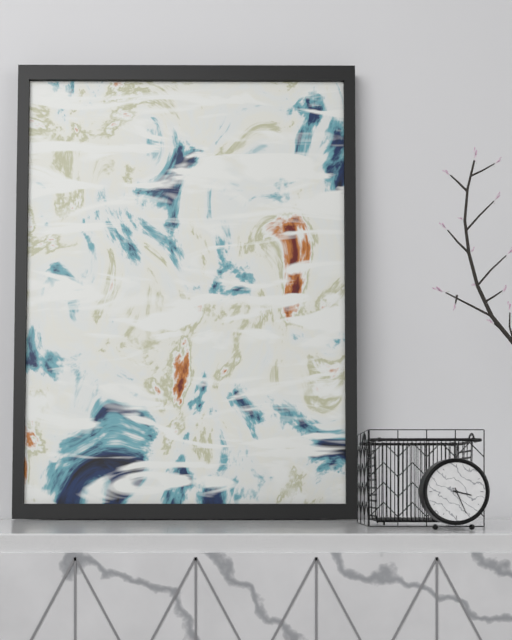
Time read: **3:26**
